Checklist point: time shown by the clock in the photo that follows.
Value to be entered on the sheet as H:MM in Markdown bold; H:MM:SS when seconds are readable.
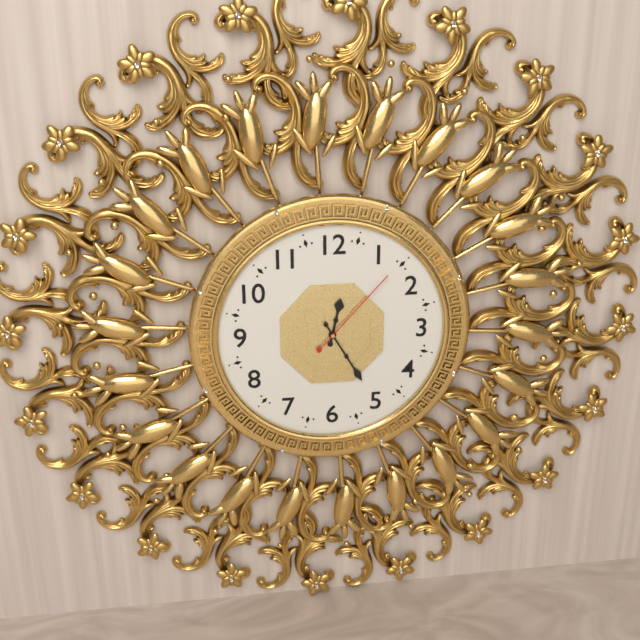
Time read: **12:25:07**
